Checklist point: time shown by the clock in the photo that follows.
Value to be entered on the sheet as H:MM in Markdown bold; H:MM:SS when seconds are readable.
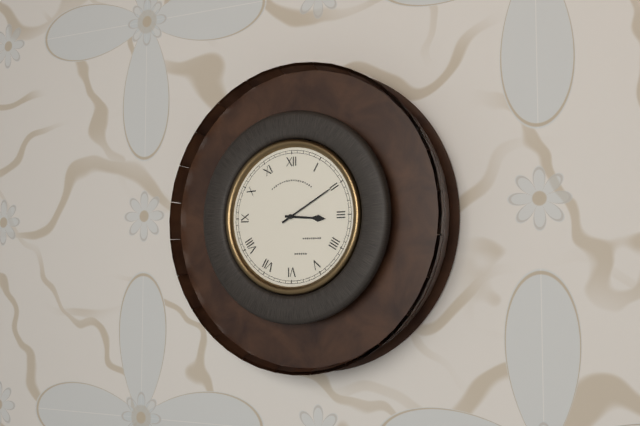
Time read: **3:10**
